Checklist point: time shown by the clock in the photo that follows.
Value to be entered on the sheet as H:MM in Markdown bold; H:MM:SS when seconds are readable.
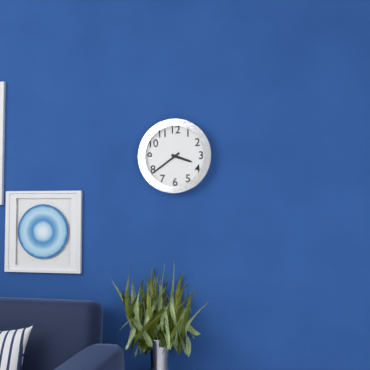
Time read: **3:39**
